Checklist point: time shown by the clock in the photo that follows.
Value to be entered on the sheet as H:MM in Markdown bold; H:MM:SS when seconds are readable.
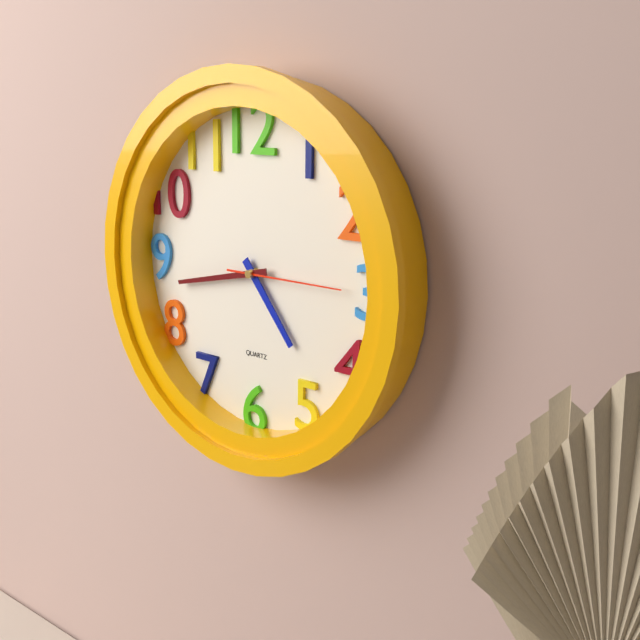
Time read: **4:43:15**
